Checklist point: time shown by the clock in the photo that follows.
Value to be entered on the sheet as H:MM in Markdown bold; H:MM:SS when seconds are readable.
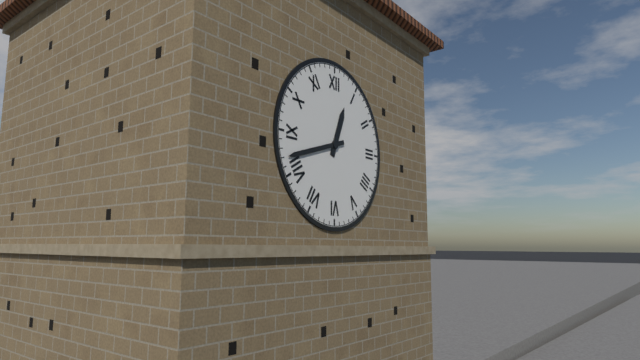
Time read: **12:42**
